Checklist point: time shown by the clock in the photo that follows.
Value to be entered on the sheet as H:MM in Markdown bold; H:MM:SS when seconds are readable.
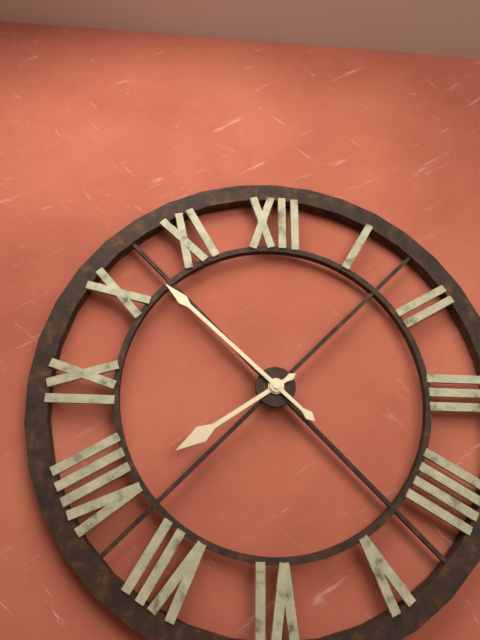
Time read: **7:52**
